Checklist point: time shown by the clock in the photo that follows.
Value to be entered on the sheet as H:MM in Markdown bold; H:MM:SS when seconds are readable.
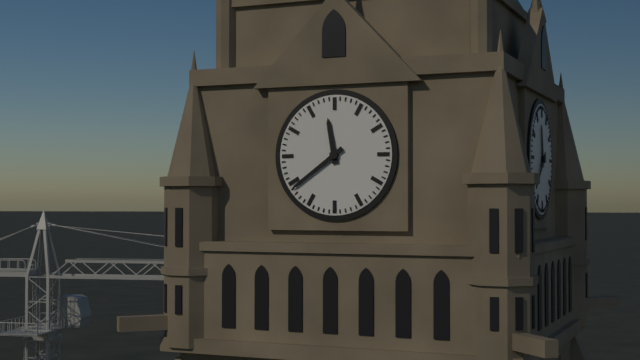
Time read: **11:39**
